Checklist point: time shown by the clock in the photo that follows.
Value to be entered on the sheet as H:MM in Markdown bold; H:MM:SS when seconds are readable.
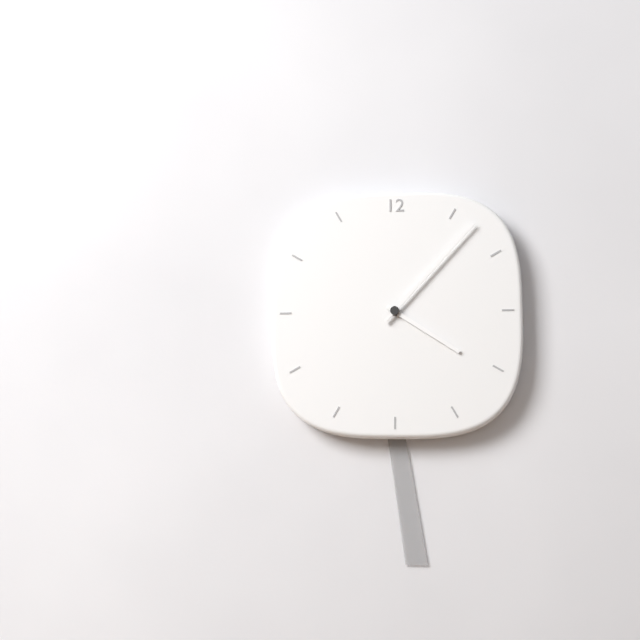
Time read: **4:07**
